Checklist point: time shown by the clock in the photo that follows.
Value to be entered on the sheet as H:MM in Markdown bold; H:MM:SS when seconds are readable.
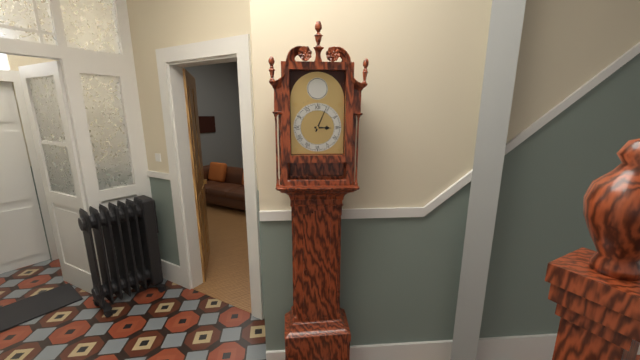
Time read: **3:04**
